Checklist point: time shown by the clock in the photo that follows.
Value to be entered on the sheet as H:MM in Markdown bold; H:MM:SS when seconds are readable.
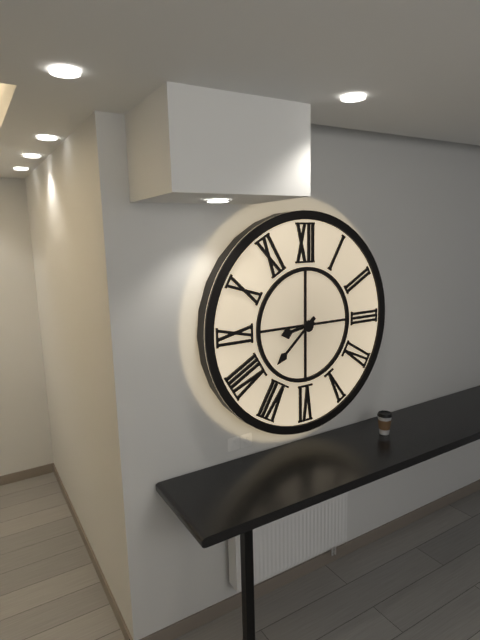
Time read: **8:38**
